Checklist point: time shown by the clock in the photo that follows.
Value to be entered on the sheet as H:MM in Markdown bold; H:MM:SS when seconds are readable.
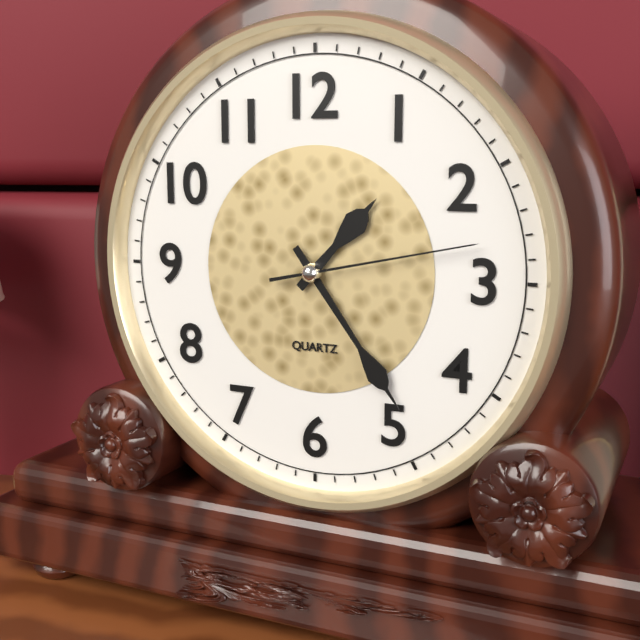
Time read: **1:24:13**
